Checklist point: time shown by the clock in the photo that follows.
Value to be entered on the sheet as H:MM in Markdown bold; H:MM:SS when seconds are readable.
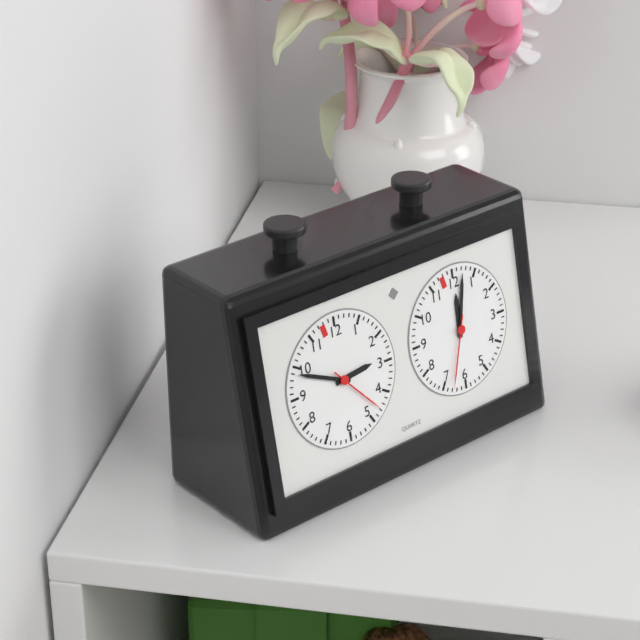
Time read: **2:49:23**
